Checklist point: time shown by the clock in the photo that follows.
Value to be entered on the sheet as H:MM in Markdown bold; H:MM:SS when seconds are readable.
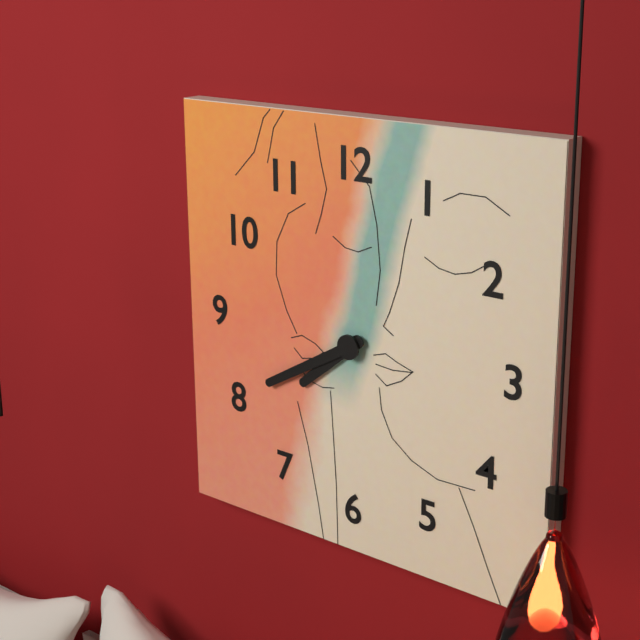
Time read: **7:40**
